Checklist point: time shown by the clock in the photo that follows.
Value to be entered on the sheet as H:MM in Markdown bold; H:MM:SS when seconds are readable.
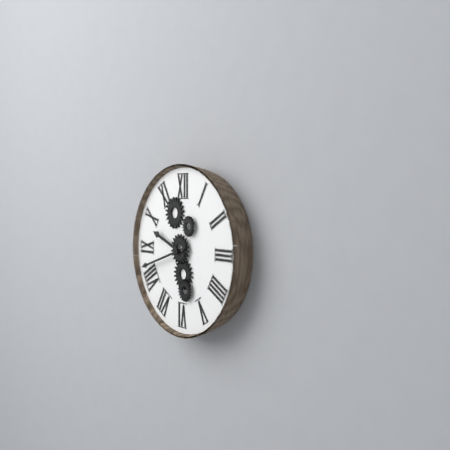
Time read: **9:42**
